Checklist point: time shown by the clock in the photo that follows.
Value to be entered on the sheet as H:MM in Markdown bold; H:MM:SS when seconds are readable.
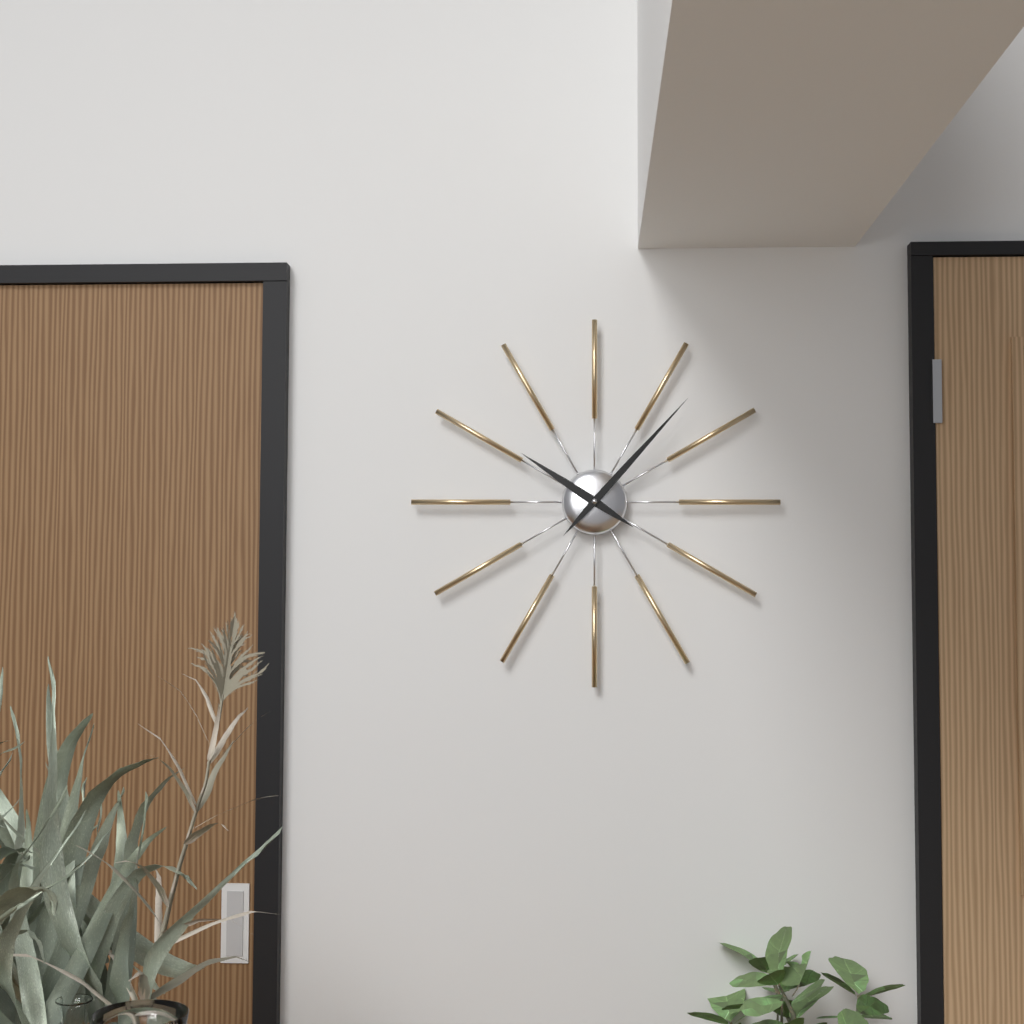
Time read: **10:07**
